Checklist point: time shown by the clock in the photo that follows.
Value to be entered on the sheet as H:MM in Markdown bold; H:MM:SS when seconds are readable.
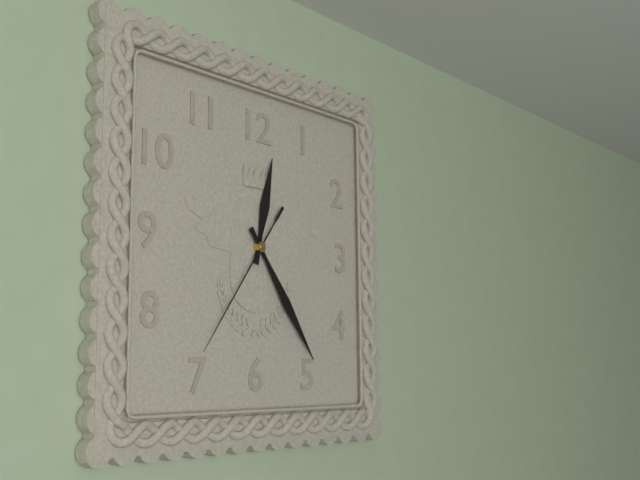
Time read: **12:24:36**
